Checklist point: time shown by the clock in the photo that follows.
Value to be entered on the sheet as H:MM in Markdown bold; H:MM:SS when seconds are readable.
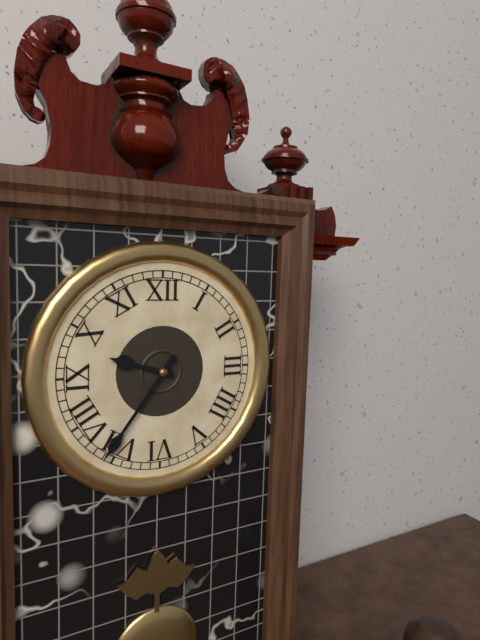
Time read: **9:36**
